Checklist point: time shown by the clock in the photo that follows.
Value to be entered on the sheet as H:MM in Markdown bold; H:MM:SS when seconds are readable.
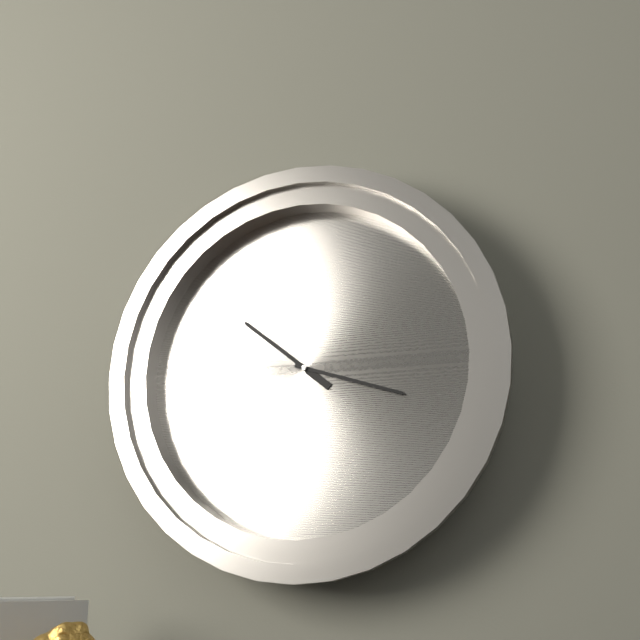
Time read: **10:18**
